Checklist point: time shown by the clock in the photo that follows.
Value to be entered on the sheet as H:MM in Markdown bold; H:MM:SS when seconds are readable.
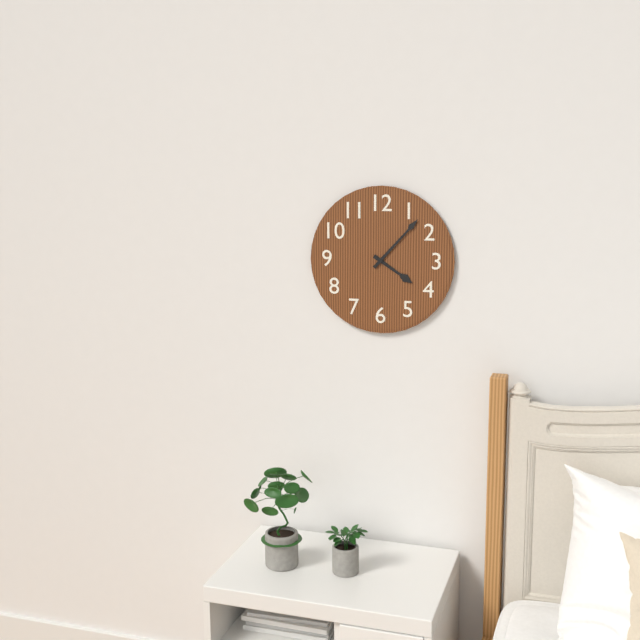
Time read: **4:07**
